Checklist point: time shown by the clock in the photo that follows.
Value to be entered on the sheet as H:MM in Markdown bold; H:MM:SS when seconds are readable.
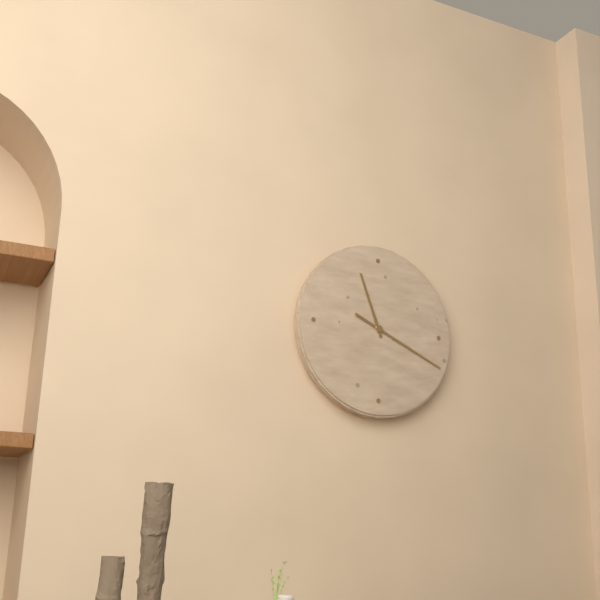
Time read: **11:19**
